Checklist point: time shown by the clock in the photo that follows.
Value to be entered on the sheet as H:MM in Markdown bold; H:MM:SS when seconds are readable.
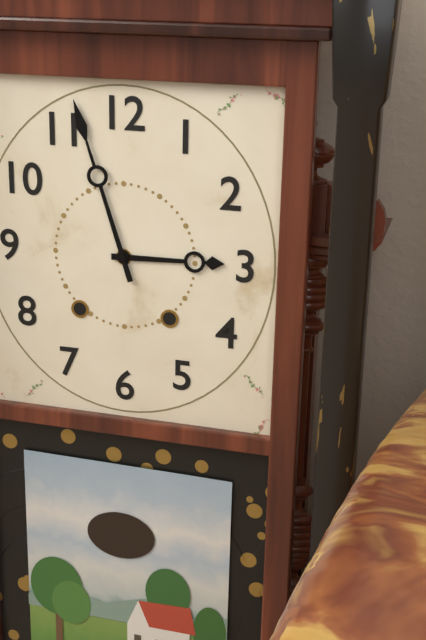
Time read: **2:57**
